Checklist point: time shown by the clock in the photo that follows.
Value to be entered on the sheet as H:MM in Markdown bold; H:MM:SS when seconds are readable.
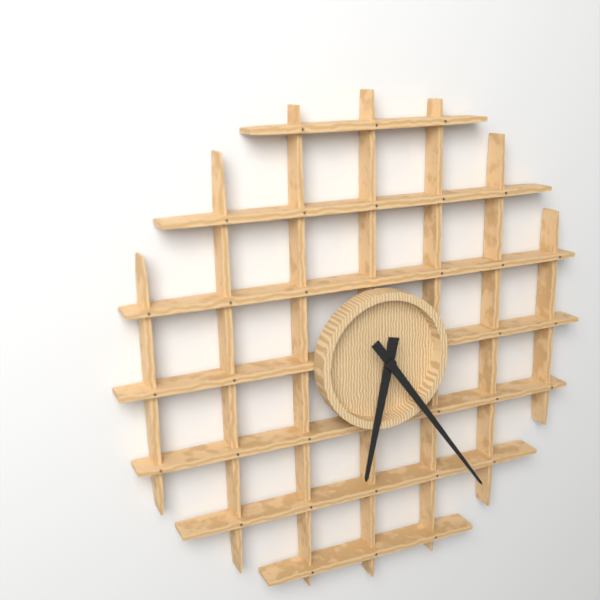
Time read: **6:24**
